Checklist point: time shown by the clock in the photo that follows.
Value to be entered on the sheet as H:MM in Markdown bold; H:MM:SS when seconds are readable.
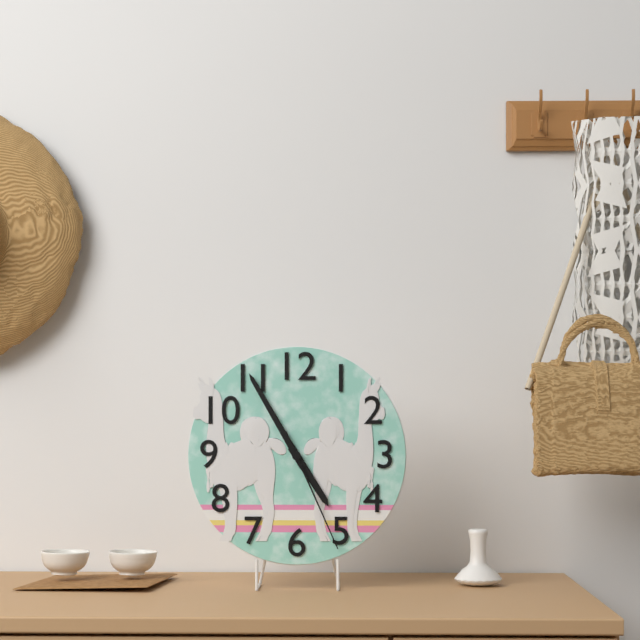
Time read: **4:55:26**
